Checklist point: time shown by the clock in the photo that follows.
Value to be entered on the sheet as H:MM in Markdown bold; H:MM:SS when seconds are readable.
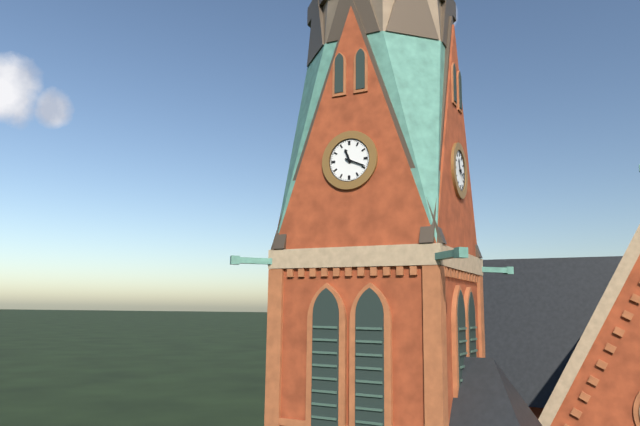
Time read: **11:19**
